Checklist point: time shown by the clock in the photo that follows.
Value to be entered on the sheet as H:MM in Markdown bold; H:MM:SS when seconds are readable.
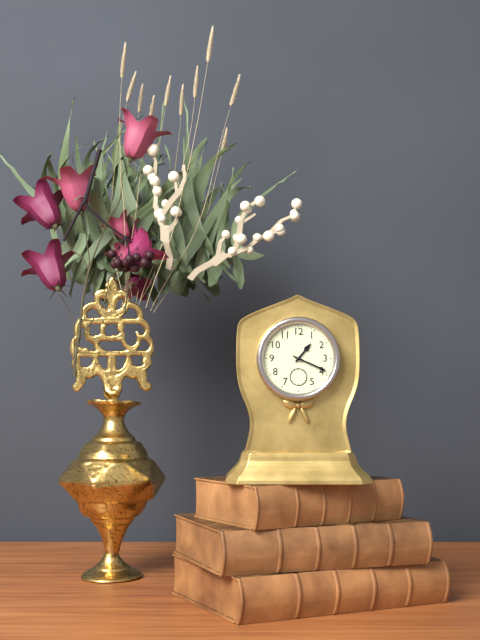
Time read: **1:19**
